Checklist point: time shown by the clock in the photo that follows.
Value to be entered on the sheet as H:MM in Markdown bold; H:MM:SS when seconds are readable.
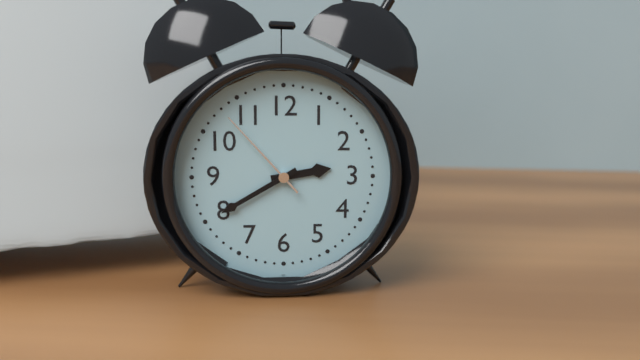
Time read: **2:40:53**
